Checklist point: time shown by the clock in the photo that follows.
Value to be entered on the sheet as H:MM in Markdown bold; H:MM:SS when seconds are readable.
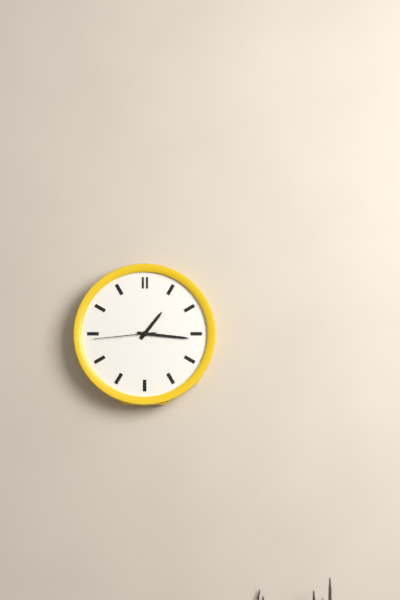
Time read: **1:16:44**
